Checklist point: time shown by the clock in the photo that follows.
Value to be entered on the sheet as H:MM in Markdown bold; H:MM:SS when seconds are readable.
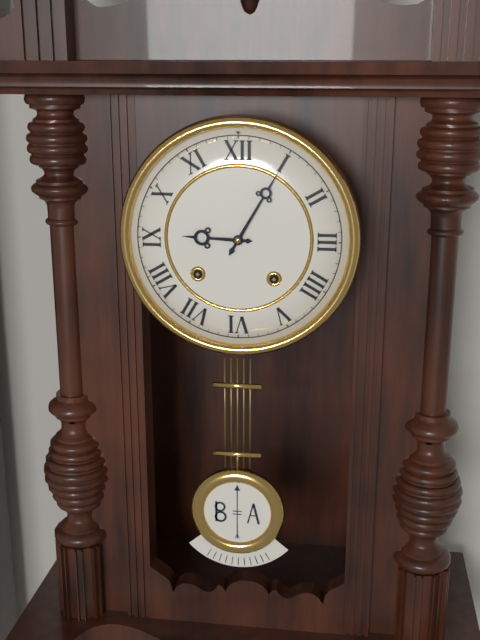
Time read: **9:05**
